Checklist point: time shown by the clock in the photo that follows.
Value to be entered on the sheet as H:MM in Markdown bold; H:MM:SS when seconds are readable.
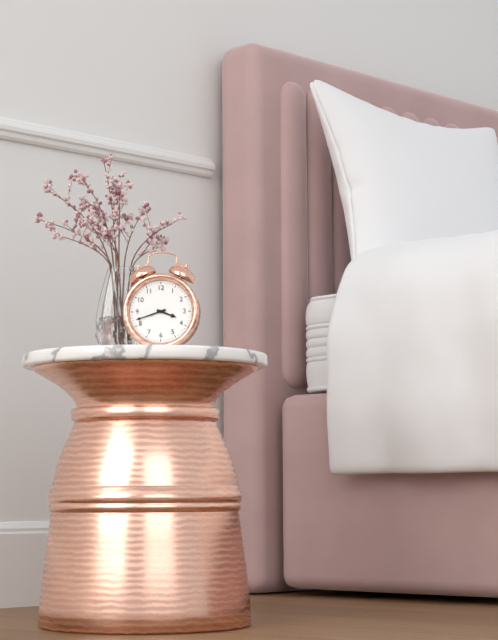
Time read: **3:42**
